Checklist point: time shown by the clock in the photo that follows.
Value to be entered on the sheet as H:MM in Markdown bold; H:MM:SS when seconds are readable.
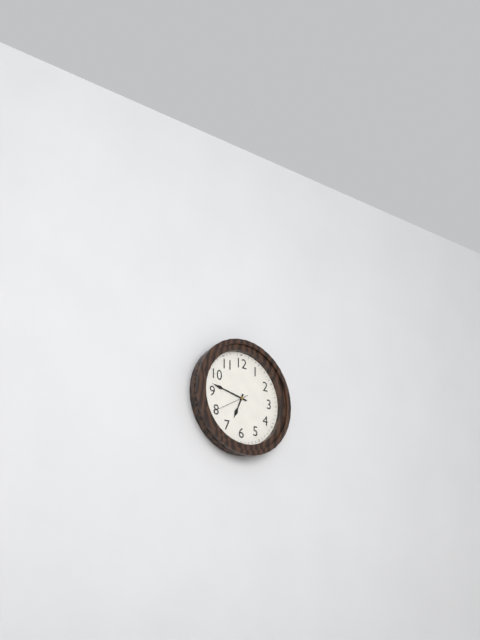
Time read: **6:47**
